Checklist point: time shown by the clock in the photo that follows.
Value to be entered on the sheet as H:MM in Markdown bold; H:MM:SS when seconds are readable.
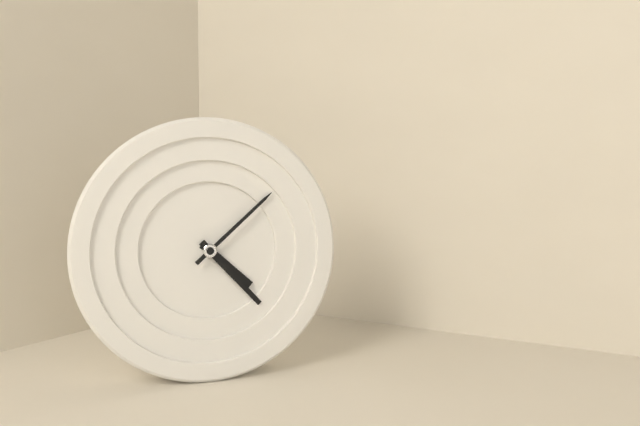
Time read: **4:23:08**
